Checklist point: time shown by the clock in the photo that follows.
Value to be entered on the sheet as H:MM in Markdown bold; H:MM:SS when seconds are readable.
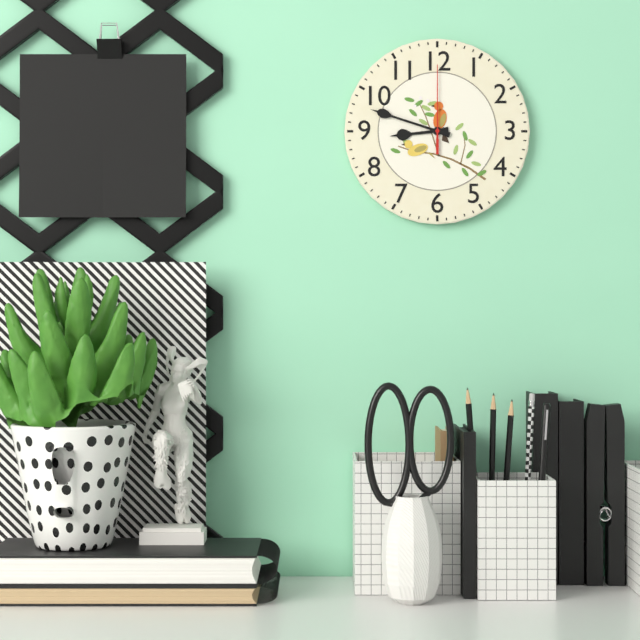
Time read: **8:48:00**
